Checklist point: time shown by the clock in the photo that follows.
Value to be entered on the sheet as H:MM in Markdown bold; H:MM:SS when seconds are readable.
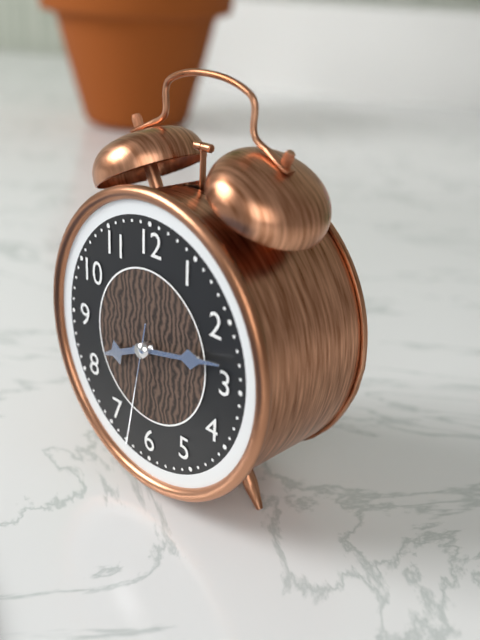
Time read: **8:13:32**
